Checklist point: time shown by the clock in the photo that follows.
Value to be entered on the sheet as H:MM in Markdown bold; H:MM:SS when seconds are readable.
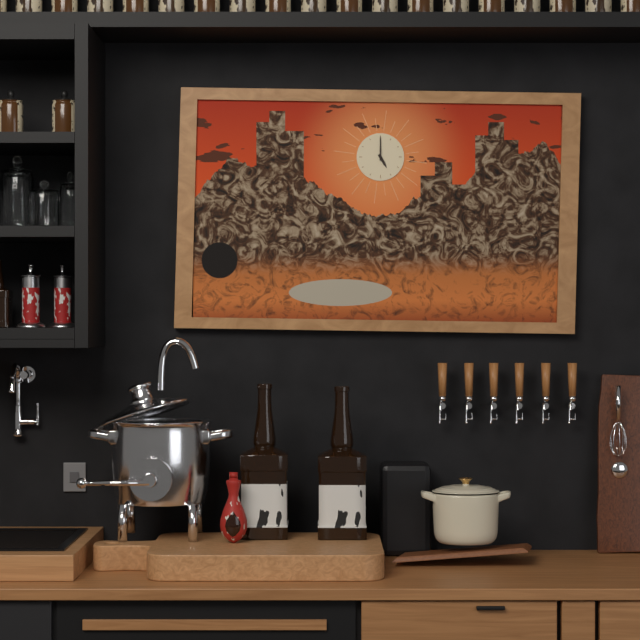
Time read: **5:00**
